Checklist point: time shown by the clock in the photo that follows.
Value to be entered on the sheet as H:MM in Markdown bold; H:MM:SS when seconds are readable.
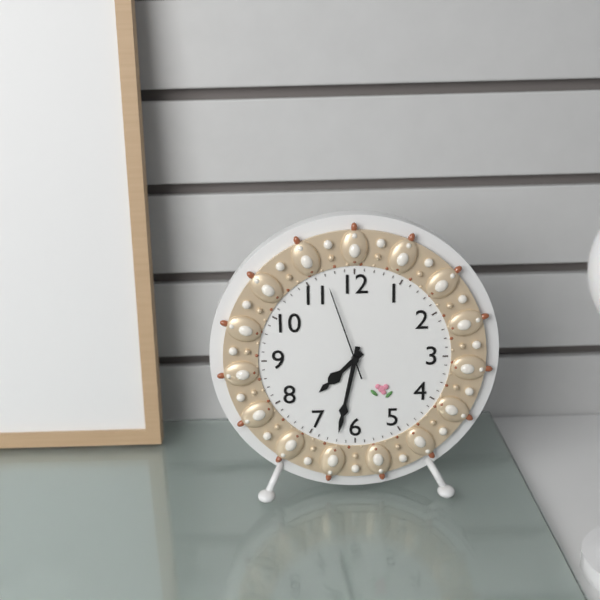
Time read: **7:32:57**
